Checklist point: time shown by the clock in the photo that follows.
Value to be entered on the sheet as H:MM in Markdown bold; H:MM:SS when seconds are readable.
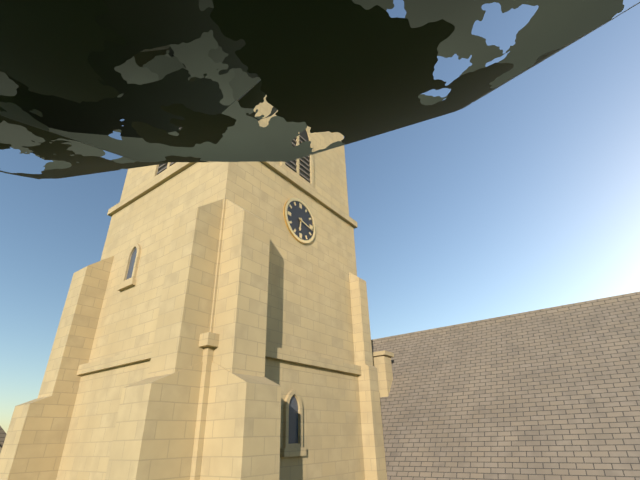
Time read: **6:17**
